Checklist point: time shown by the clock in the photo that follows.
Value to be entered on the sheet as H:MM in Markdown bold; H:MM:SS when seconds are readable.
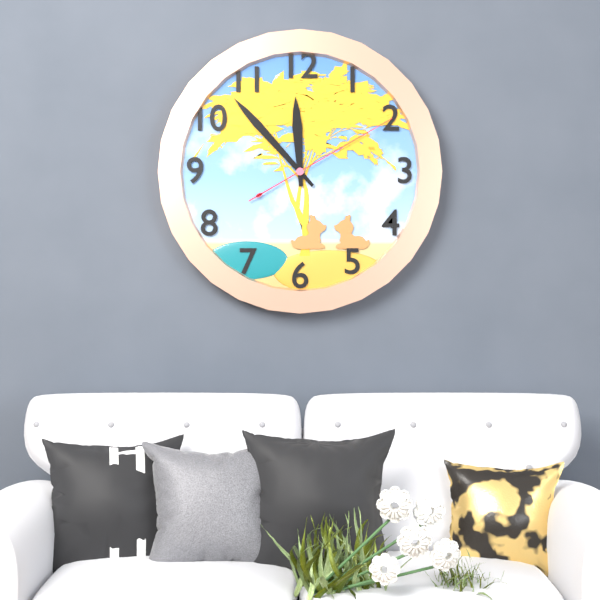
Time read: **11:53:10**
